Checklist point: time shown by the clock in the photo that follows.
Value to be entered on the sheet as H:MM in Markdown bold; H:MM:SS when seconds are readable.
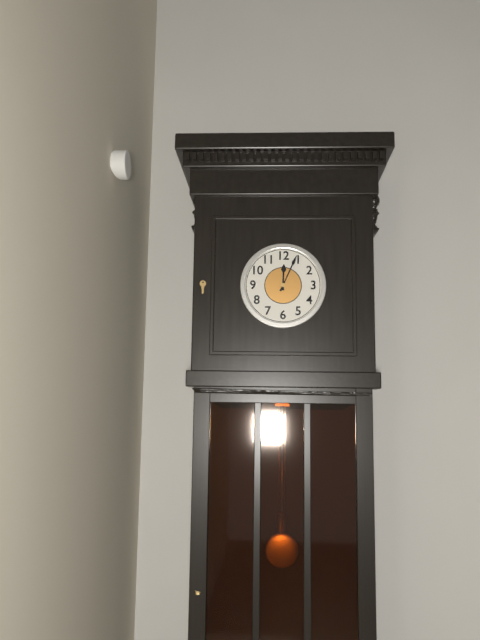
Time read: **12:04**
